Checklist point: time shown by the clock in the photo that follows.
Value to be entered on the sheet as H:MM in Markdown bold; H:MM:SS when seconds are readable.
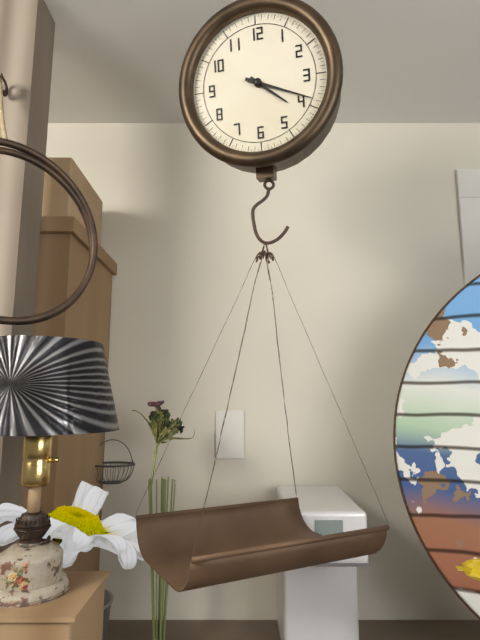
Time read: **4:19**
